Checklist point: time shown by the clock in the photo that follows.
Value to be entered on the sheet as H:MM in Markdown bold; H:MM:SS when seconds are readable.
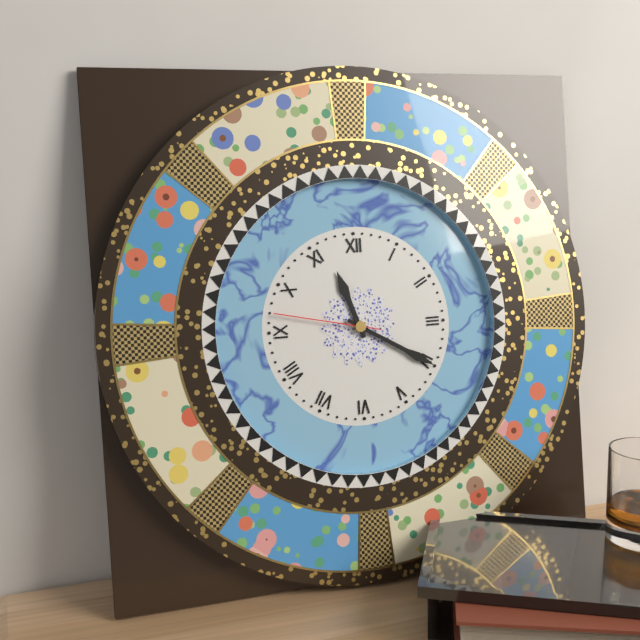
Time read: **11:20:47**
